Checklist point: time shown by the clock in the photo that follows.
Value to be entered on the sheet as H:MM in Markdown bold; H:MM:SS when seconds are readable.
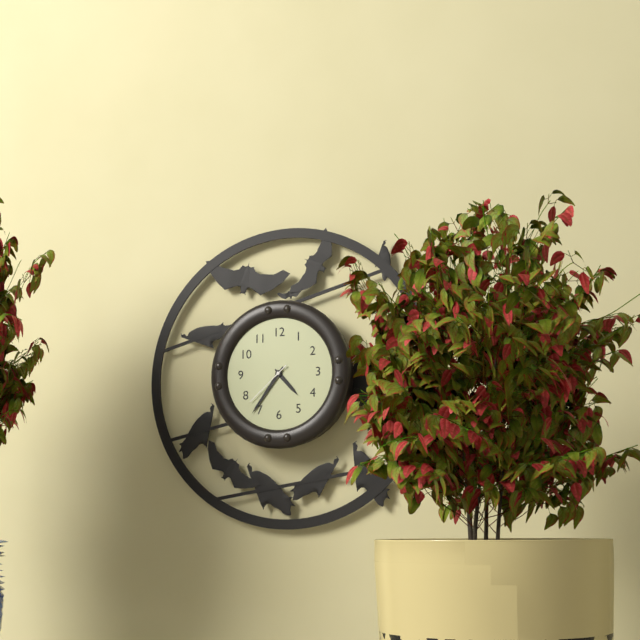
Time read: **4:36:38**
